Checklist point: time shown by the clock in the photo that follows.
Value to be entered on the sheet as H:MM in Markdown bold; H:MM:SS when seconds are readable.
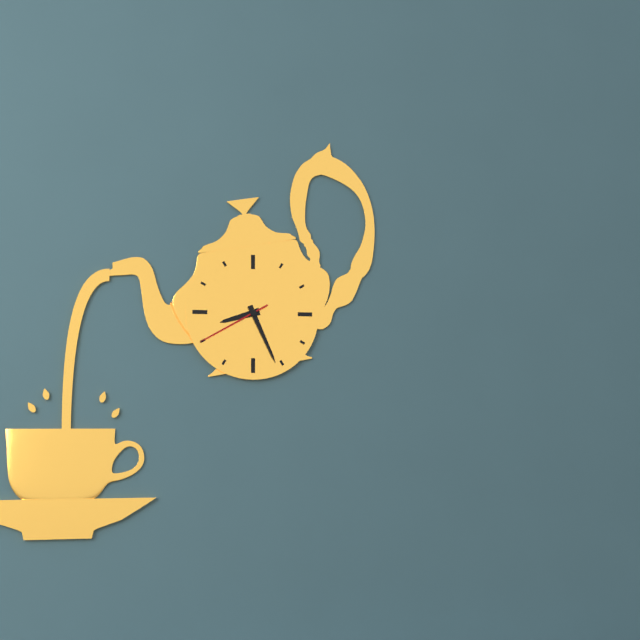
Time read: **8:26:40**
